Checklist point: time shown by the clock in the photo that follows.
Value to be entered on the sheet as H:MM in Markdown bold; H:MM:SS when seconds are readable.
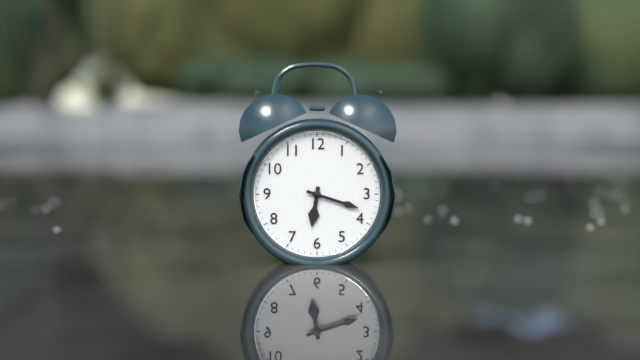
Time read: **6:18**
